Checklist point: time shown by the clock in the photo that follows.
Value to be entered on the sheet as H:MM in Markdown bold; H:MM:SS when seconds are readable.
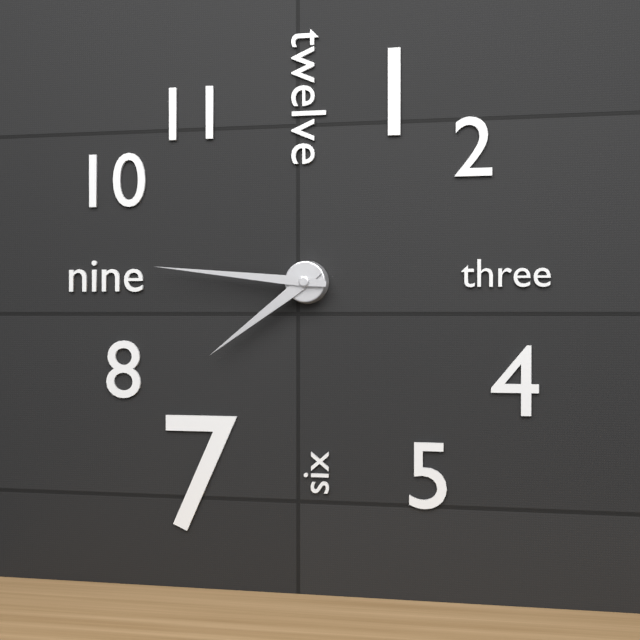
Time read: **7:46**
